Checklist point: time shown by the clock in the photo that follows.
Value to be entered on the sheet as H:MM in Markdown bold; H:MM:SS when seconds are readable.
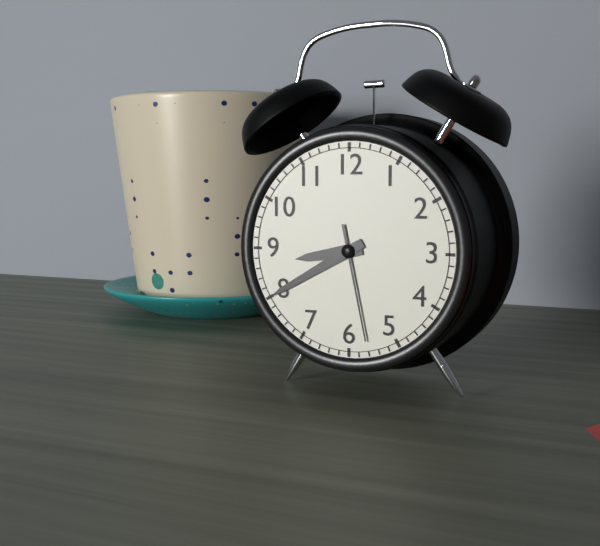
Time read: **8:40:28**
